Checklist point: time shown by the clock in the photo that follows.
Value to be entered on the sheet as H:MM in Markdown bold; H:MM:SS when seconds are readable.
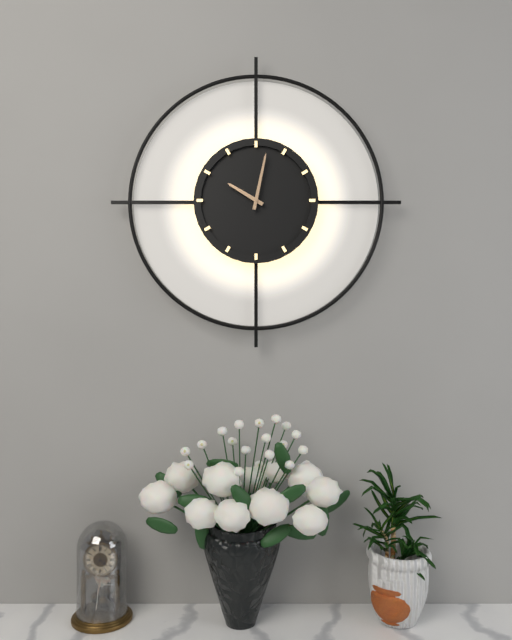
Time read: **10:02**
